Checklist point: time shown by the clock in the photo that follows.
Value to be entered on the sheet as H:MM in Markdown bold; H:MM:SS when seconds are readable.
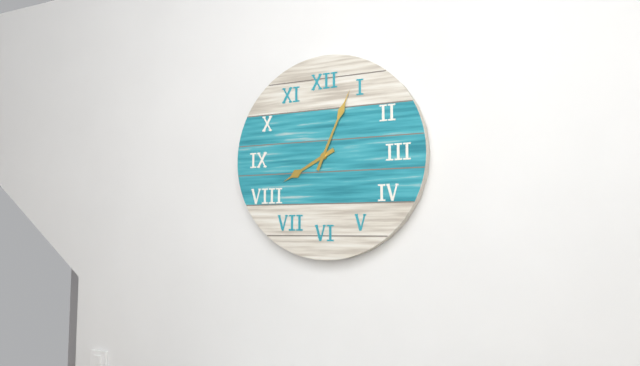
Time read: **8:04**
